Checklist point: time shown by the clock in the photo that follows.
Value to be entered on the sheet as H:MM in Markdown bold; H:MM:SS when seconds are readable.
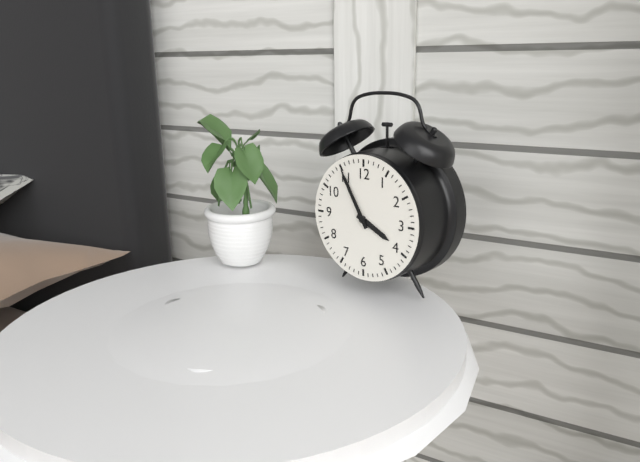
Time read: **3:55**
